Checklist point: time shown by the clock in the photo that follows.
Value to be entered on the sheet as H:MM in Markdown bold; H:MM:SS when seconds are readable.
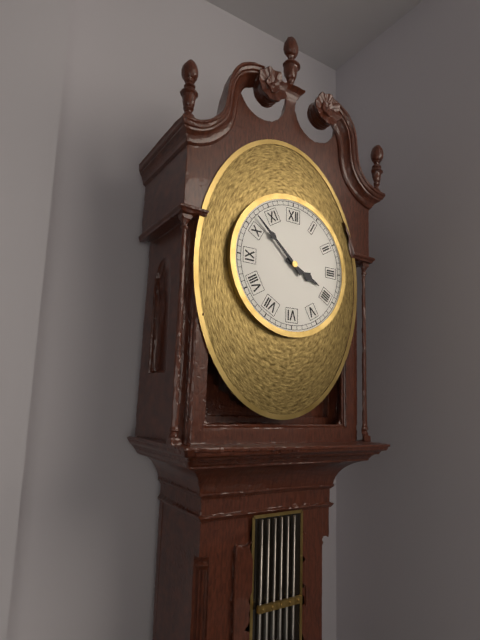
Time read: **3:52**
